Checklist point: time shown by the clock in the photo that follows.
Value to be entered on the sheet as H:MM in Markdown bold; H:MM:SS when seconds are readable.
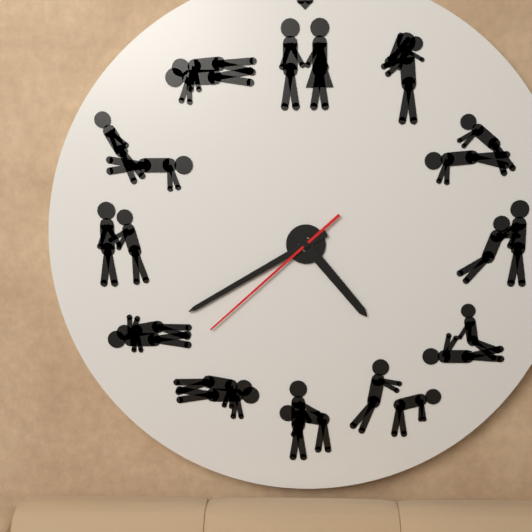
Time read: **4:40:38**
